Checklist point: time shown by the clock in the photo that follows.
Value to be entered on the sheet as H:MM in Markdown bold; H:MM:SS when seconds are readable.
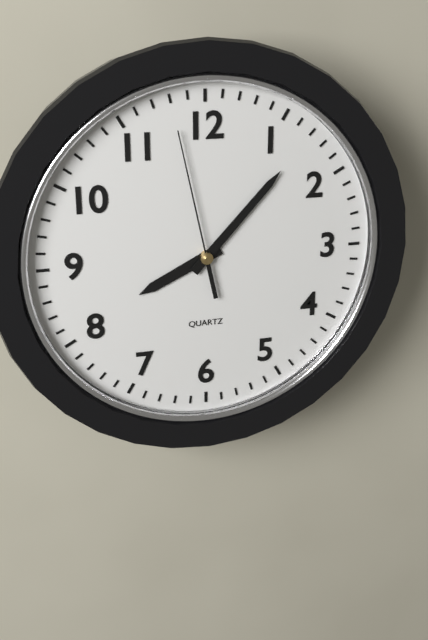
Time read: **8:07:58**
